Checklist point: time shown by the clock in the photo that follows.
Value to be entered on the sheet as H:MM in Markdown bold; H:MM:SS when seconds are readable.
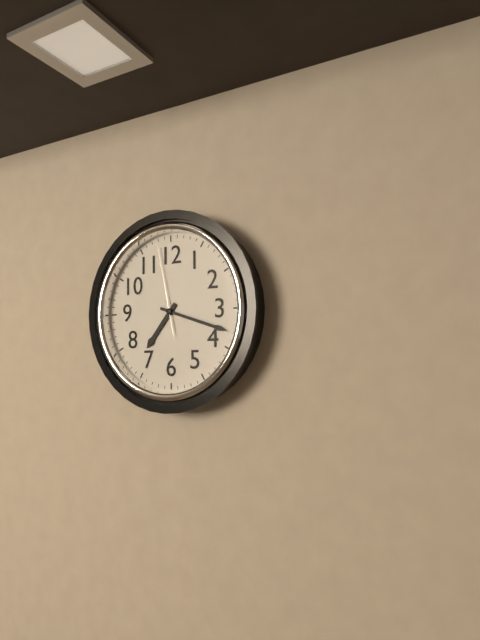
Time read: **7:18:58**
